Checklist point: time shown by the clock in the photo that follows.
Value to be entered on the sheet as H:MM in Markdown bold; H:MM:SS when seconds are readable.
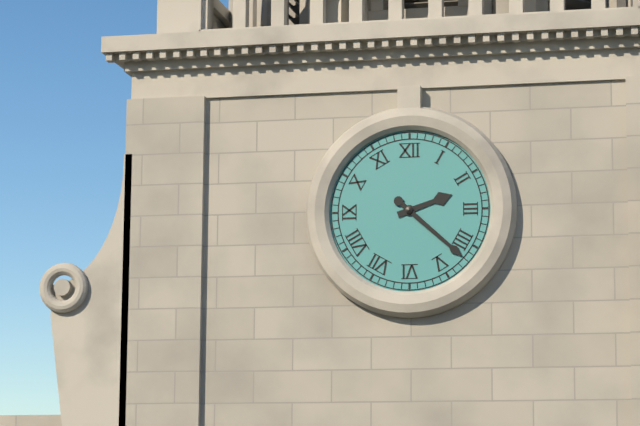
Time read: **2:22**
